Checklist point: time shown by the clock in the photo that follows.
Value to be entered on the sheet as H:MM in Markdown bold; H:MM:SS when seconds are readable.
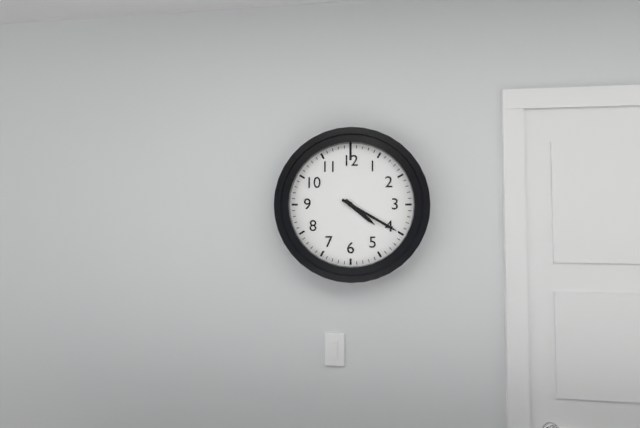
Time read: **4:20**
